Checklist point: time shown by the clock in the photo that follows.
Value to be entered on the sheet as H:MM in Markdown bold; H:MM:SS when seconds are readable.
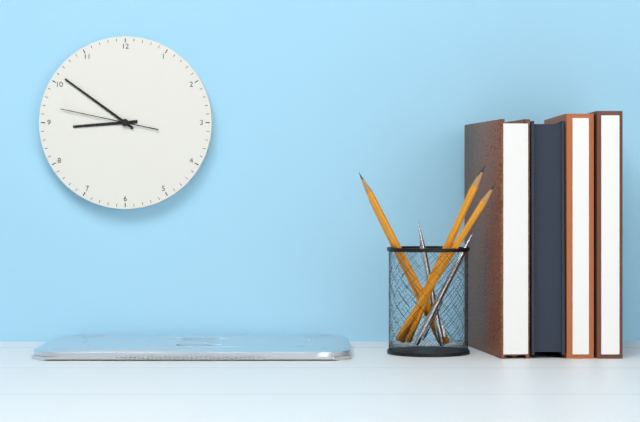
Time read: **8:51:47**
